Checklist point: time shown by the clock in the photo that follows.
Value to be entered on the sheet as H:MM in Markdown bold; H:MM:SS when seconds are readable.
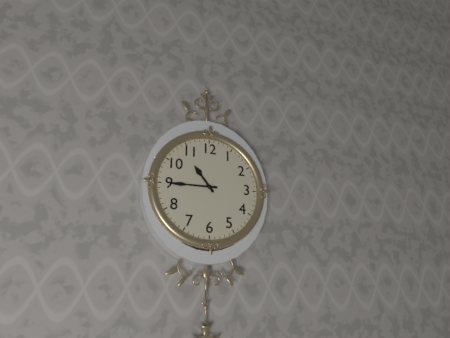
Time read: **10:45**
